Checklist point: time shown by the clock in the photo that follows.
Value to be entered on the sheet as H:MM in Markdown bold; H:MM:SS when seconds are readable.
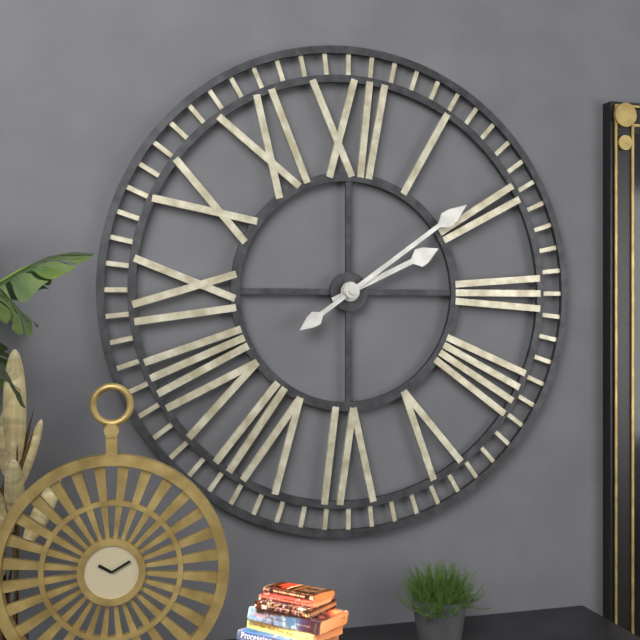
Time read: **2:09**
